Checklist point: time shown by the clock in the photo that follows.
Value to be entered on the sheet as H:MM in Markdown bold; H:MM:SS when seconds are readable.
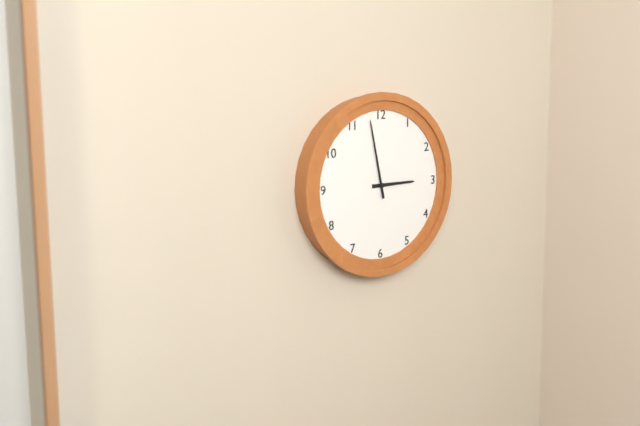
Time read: **2:58**
